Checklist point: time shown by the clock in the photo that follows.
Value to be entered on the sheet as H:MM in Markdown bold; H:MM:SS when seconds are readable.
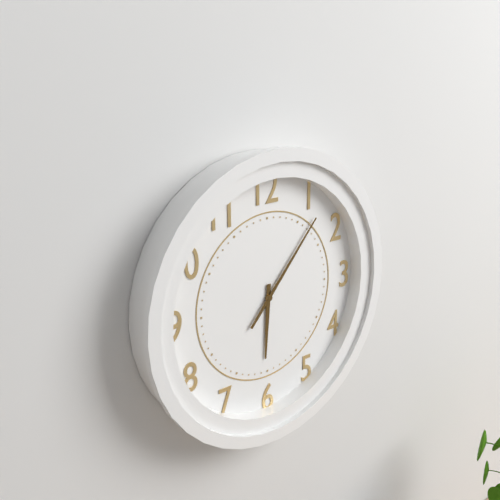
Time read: **6:07**
